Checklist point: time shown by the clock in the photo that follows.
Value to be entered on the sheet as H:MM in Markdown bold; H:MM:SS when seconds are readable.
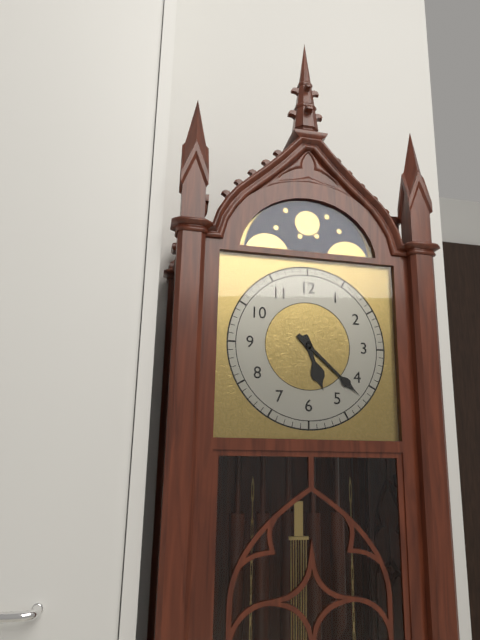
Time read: **5:22**
